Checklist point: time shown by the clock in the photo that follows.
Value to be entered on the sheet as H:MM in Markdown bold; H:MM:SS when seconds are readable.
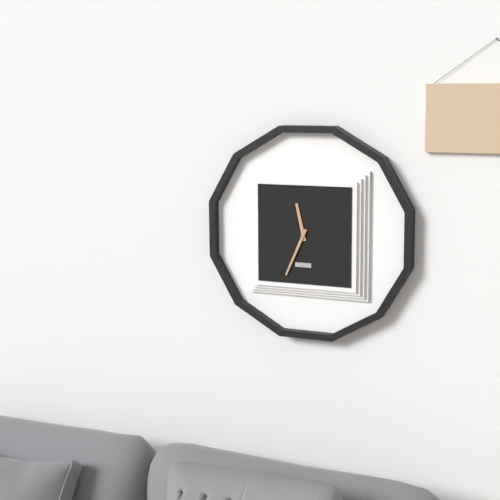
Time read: **11:34**
